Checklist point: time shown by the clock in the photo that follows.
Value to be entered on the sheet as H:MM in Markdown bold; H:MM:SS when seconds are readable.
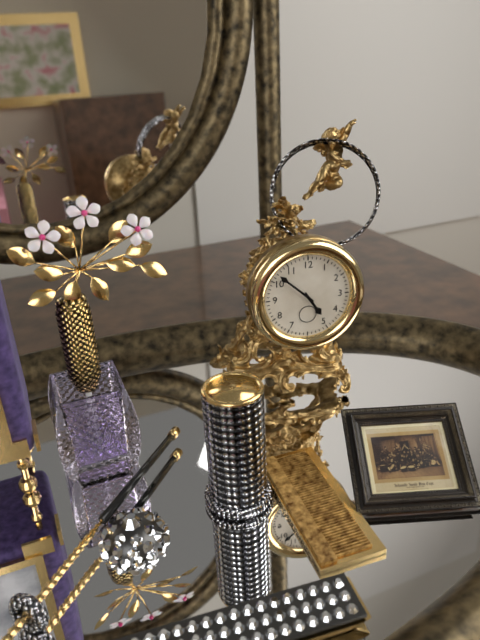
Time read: **4:52**
